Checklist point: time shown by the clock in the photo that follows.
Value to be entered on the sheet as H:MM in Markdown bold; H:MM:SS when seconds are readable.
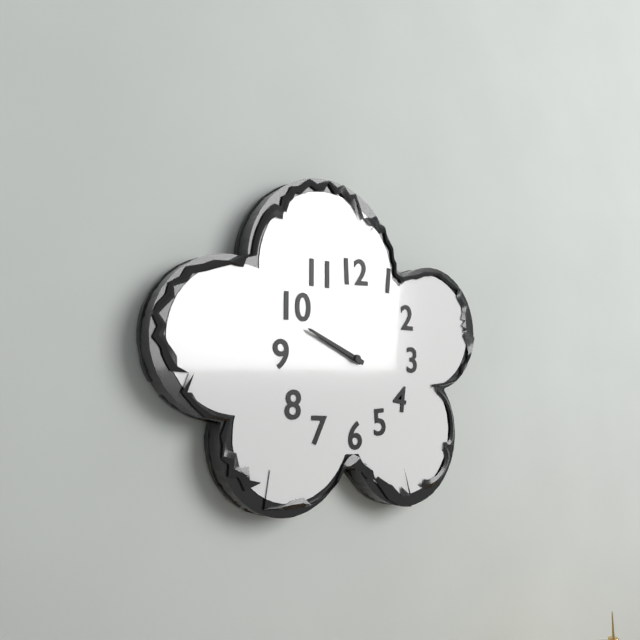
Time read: **9:49**
